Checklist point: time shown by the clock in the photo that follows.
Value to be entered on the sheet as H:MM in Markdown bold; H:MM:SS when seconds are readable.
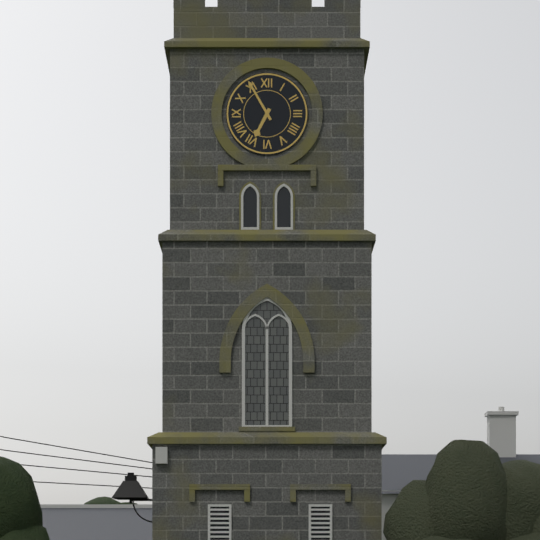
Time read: **6:55**
